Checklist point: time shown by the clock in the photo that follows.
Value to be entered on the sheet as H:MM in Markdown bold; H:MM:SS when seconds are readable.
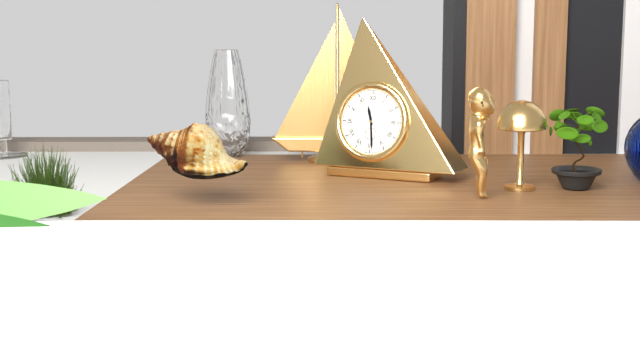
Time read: **11:29**
